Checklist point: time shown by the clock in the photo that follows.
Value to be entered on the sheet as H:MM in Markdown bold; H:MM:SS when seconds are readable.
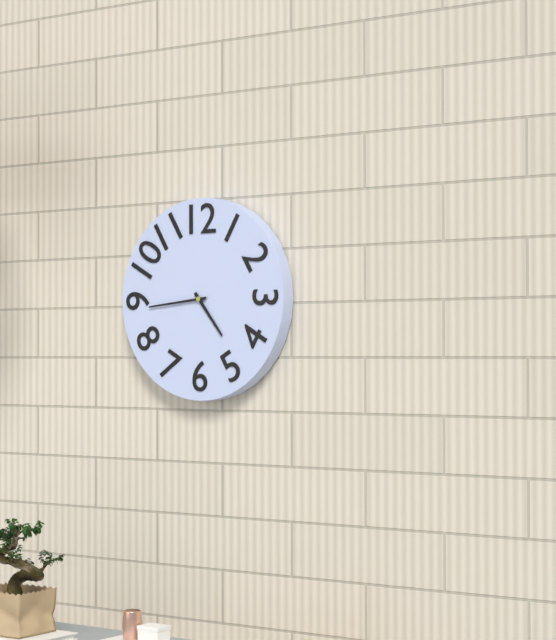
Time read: **4:44**
